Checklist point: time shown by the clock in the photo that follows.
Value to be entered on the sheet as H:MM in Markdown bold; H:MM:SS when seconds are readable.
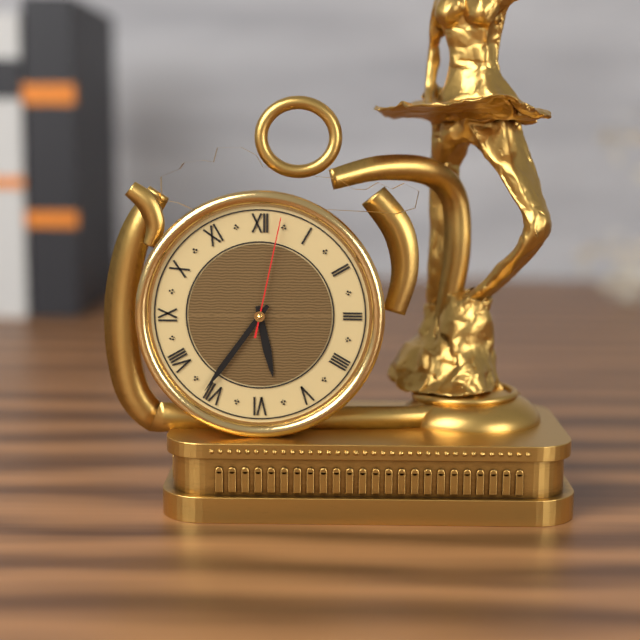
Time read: **5:36:02**
